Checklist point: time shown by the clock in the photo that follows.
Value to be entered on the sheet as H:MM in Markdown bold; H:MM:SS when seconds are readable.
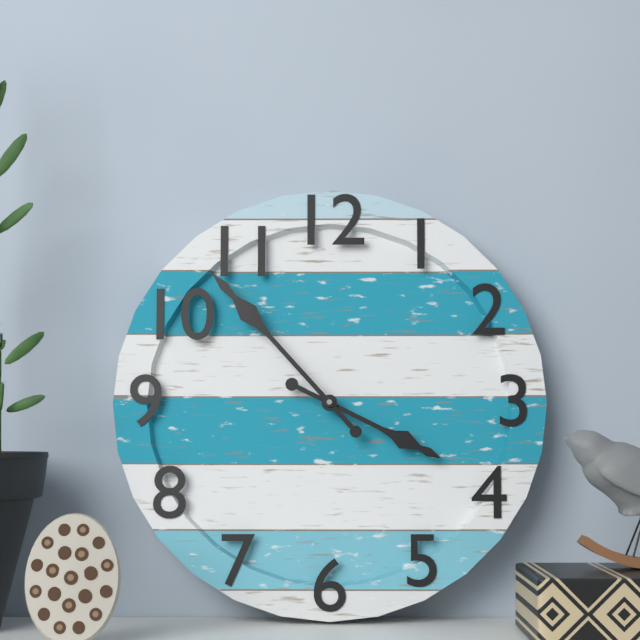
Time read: **3:53**
